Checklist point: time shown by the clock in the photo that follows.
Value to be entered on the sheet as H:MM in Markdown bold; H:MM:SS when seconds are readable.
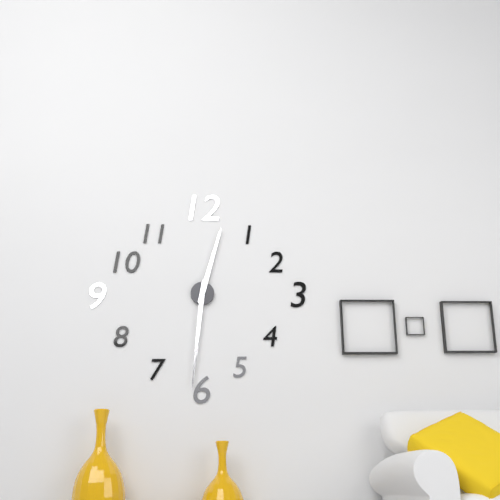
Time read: **12:31**
